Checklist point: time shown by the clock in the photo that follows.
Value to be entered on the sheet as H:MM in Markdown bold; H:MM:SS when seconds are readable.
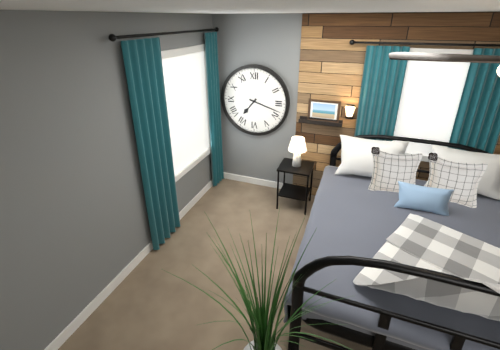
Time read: **7:18**
